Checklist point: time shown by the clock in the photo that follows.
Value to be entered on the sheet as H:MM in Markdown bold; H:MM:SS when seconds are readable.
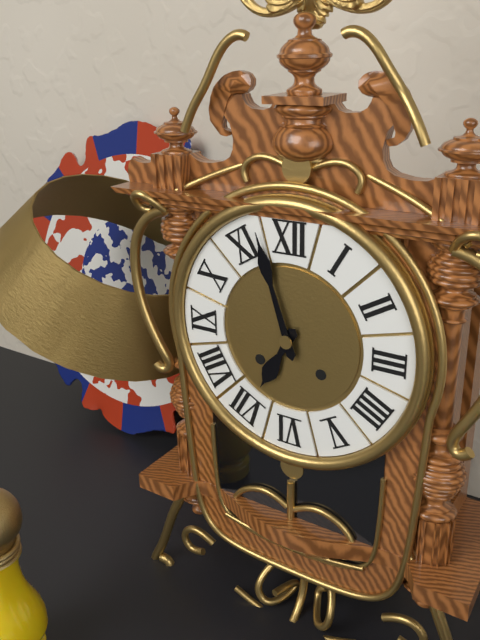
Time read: **6:57**
